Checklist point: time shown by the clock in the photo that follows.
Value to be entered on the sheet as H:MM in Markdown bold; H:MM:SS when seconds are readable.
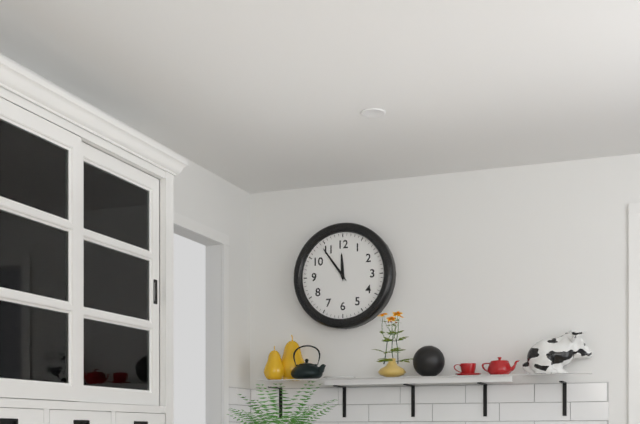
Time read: **11:54**
